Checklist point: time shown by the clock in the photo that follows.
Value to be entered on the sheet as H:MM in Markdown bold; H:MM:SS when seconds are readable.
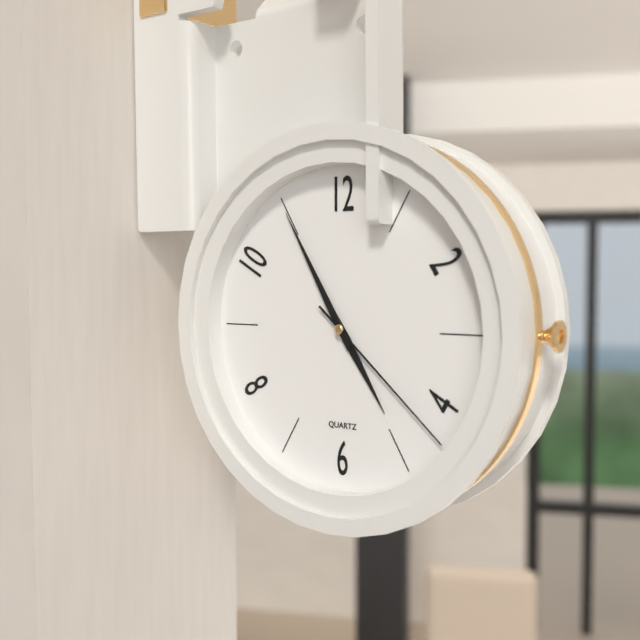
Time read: **4:55:22**
